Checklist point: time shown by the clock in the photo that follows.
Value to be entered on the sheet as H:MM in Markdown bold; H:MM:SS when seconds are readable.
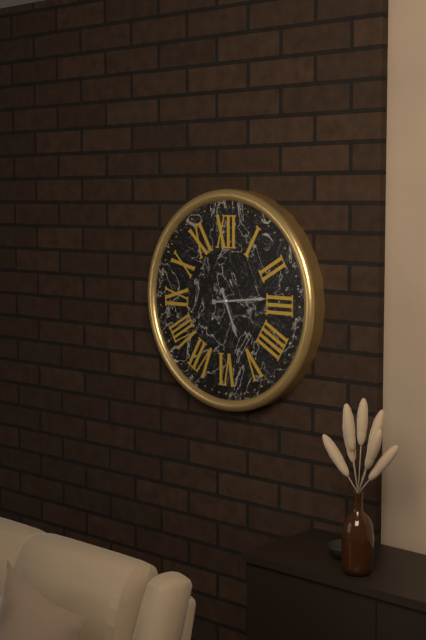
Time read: **5:14**
